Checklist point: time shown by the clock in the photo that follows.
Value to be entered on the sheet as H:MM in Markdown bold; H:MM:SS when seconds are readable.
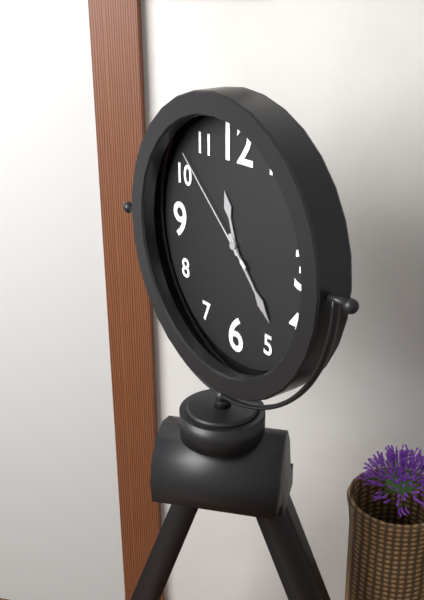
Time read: **11:23:52**
